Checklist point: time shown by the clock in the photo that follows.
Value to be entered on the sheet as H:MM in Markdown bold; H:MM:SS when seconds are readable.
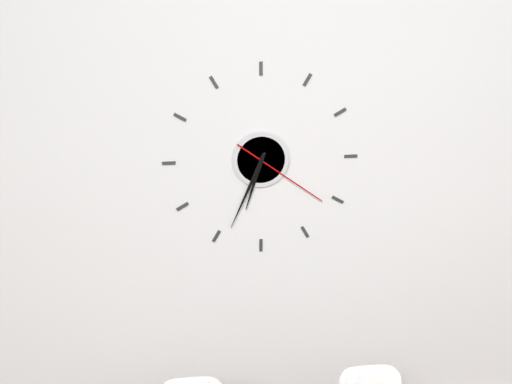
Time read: **6:34:21**
